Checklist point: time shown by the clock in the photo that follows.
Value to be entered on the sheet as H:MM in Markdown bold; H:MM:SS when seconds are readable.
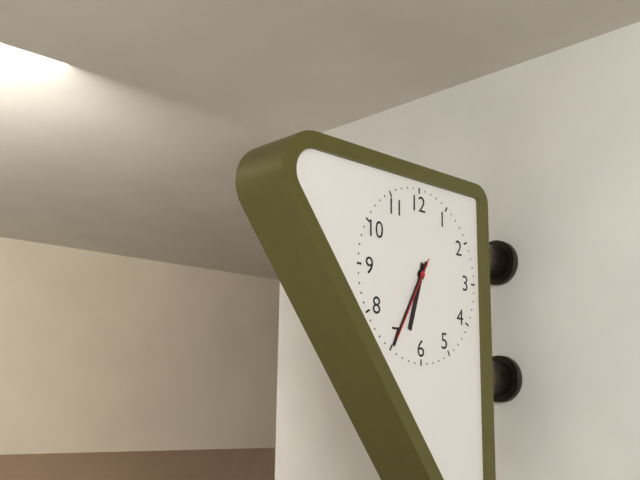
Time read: **6:35:35**
